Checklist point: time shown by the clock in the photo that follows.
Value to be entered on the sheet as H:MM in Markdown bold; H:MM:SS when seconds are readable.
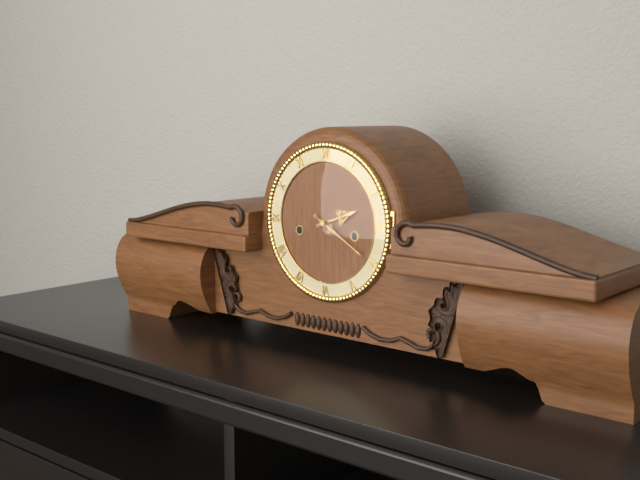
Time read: **2:20**
